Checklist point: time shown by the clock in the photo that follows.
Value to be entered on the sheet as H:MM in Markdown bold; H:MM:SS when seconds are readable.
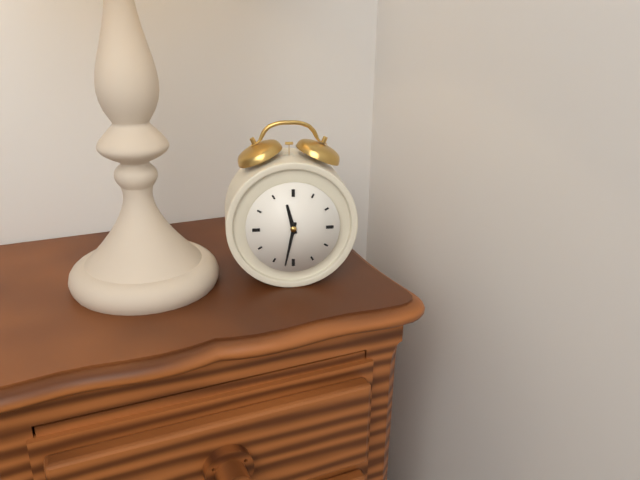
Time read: **11:32**
